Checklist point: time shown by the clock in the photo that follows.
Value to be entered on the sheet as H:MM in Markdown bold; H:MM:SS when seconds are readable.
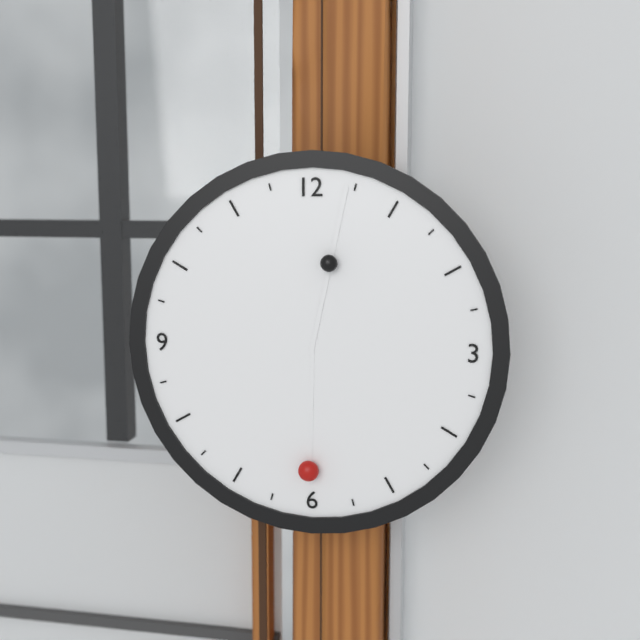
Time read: **6:02**
